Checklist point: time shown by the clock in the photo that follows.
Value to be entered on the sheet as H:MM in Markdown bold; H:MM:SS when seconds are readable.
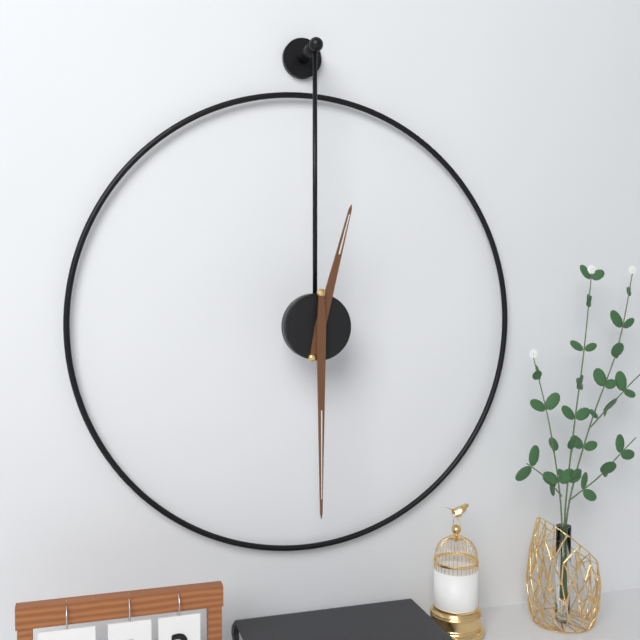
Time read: **12:30**
